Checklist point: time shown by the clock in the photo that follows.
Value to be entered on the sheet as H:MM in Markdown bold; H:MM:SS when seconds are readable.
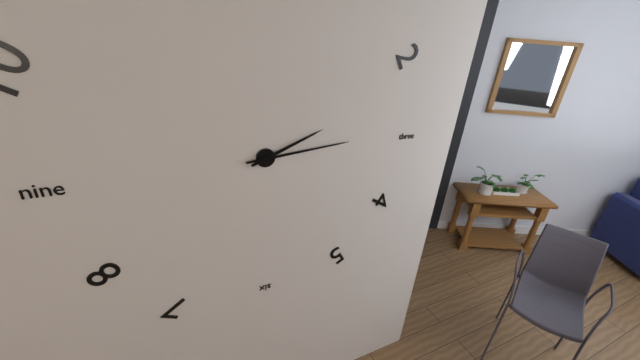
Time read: **2:14**
